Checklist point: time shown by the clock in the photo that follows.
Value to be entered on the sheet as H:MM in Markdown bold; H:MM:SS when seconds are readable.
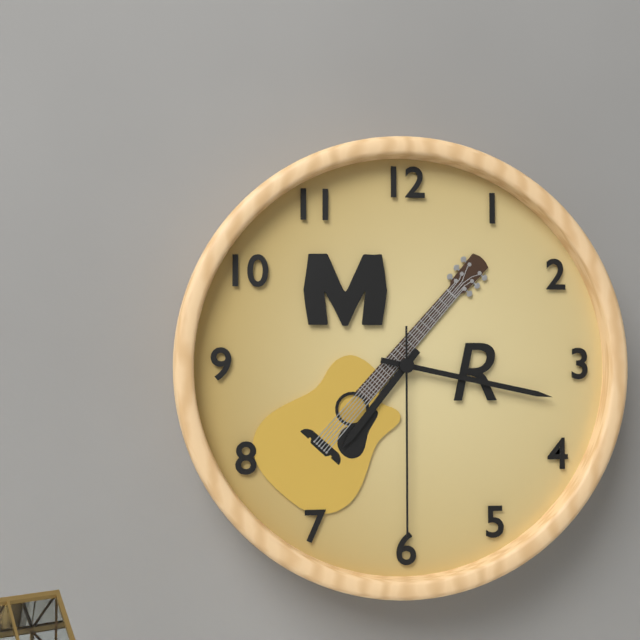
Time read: **7:17:30**
